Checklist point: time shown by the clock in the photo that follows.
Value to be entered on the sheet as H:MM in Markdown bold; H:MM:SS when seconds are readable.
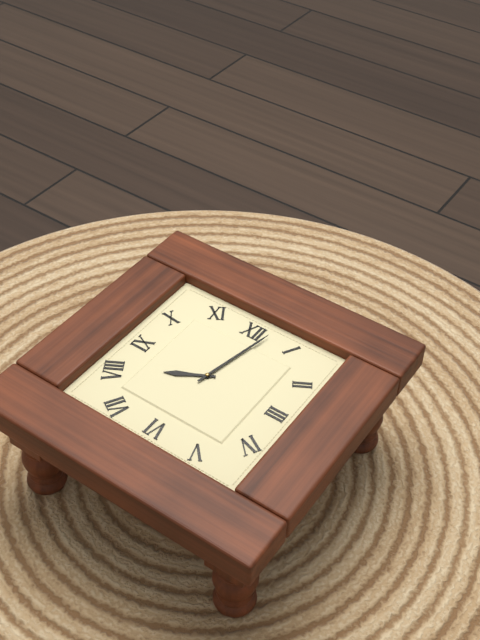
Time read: **8:02**
